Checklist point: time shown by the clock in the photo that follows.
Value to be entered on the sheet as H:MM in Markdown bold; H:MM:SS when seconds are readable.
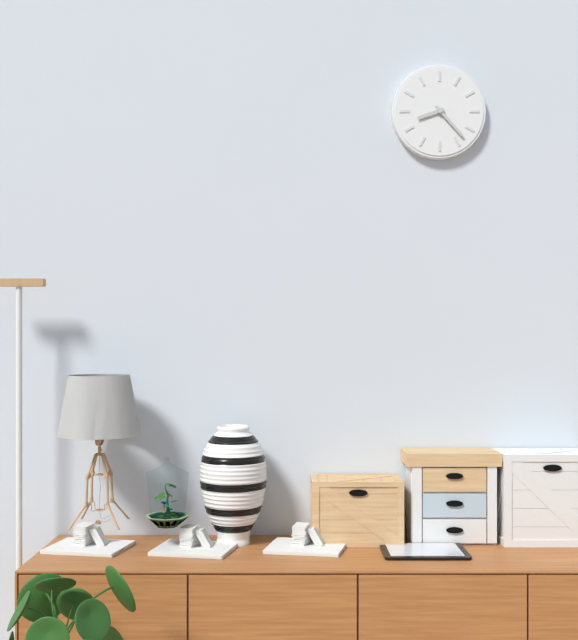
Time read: **8:23**
